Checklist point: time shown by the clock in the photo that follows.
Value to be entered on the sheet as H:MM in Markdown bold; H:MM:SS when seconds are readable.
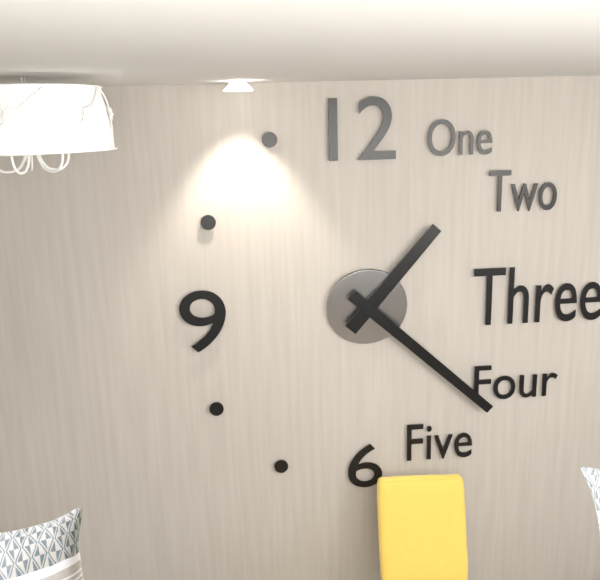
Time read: **1:22**
